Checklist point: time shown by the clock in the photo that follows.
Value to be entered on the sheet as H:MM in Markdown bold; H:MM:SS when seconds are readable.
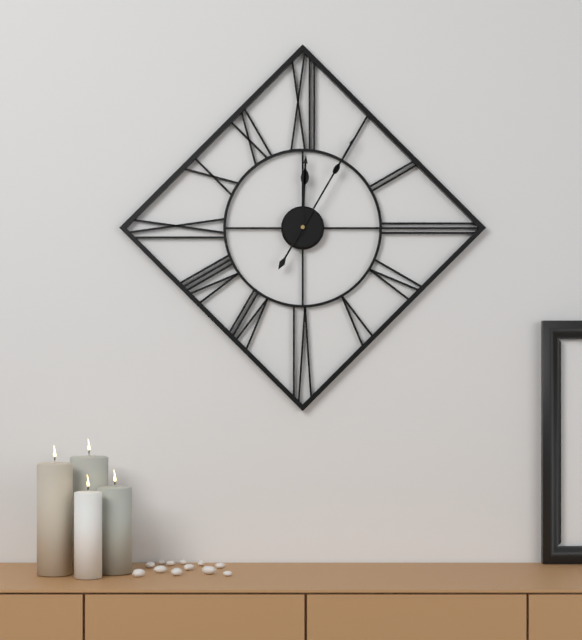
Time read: **12:05**
